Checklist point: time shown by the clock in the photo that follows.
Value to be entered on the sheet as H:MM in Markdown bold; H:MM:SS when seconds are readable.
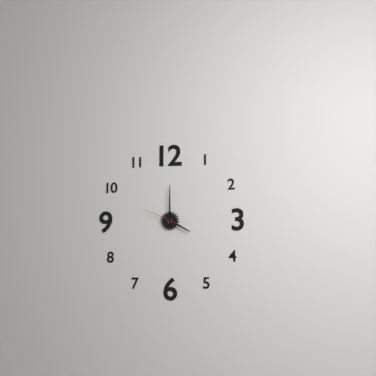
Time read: **4:00**
